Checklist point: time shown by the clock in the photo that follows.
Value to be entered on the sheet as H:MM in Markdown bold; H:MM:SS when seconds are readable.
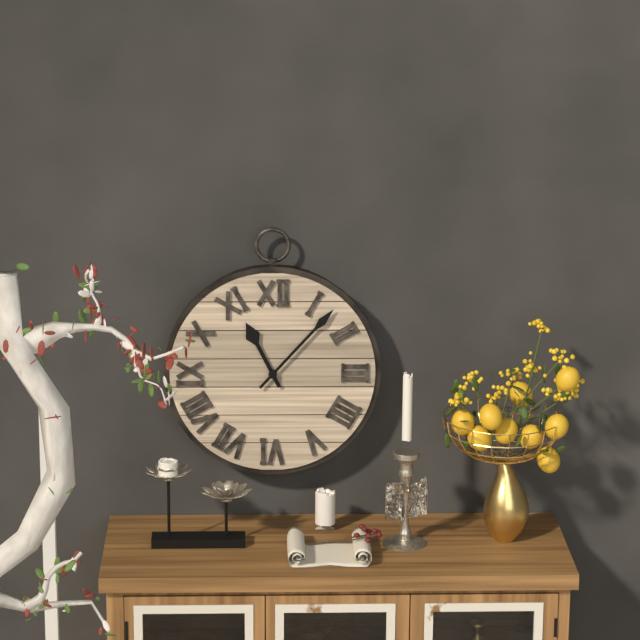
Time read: **11:07**
